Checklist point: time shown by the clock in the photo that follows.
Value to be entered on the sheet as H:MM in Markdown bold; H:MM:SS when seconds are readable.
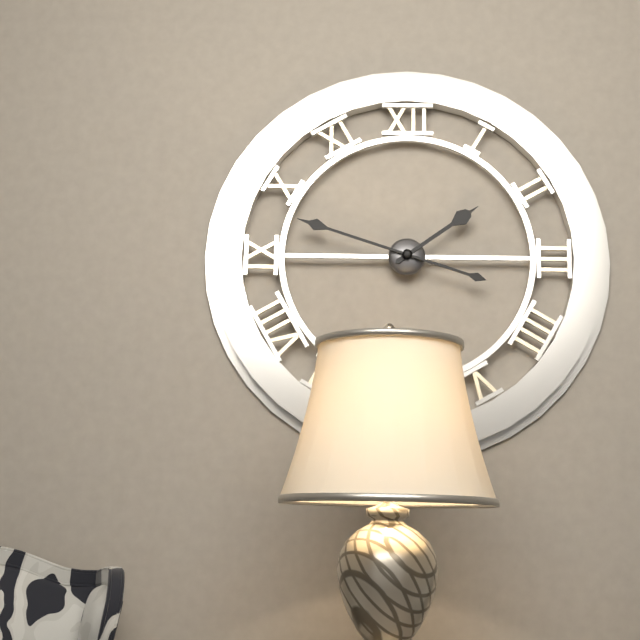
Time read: **1:48**
